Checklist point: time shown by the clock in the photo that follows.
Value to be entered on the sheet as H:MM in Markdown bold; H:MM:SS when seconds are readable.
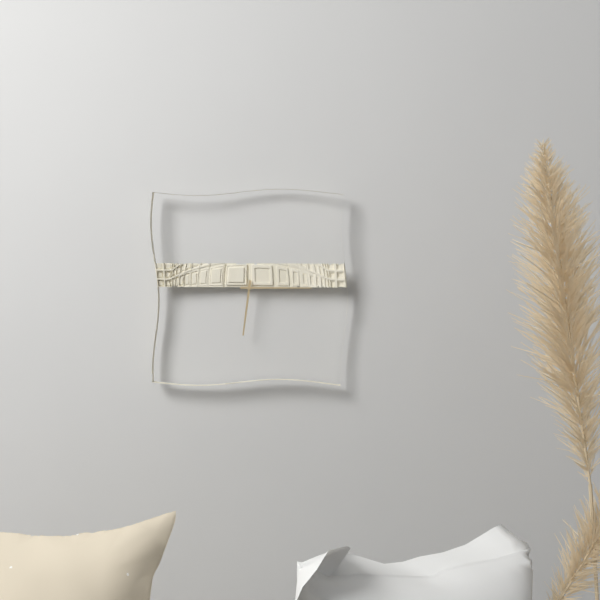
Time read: **6:15**
